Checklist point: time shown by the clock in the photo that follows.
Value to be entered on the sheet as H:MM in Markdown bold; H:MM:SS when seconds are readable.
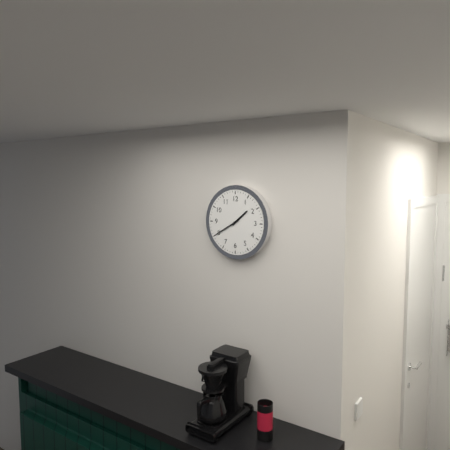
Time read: **1:40**
